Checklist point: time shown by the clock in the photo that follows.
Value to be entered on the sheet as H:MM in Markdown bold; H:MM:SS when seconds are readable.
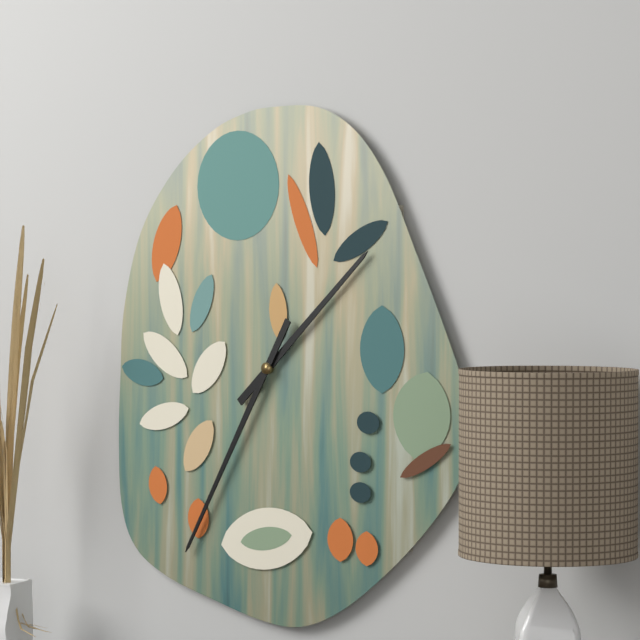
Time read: **1:35**
